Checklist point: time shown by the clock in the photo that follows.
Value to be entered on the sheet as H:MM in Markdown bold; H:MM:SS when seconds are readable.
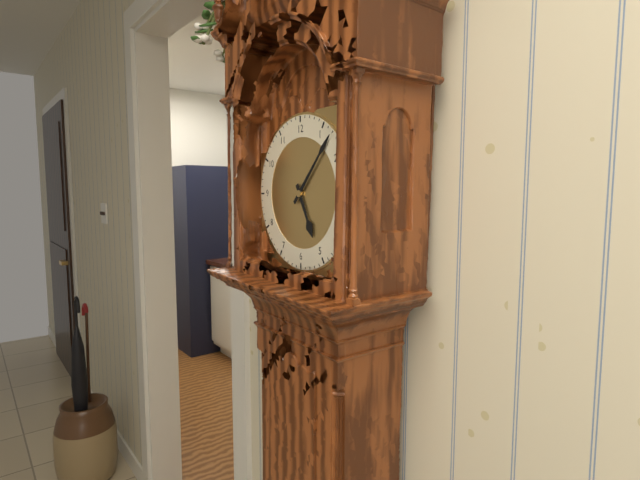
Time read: **5:07**
